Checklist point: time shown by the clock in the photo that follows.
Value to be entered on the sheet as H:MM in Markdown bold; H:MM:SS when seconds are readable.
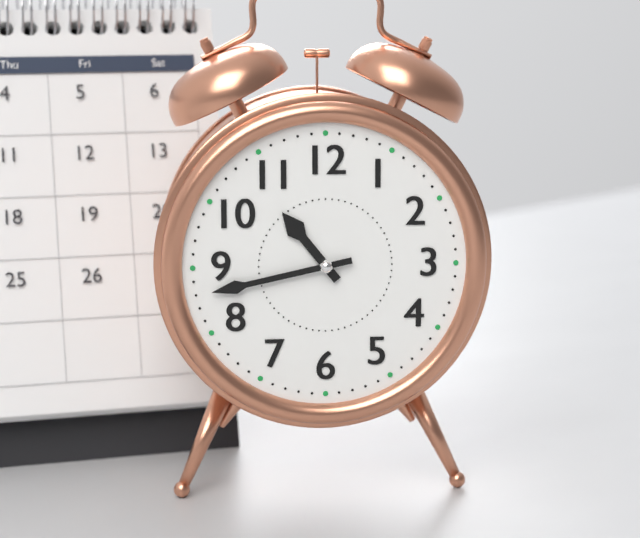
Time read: **10:43**
